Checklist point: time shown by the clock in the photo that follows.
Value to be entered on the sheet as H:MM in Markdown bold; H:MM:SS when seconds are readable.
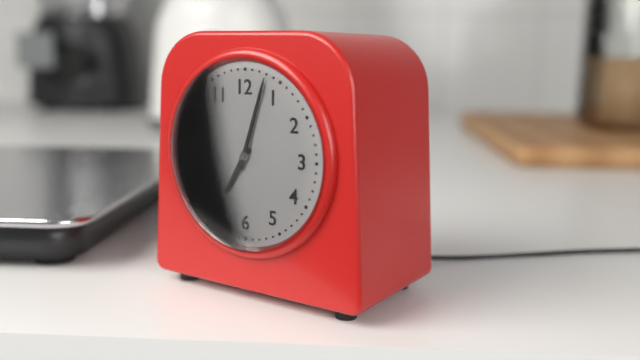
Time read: **7:03**
